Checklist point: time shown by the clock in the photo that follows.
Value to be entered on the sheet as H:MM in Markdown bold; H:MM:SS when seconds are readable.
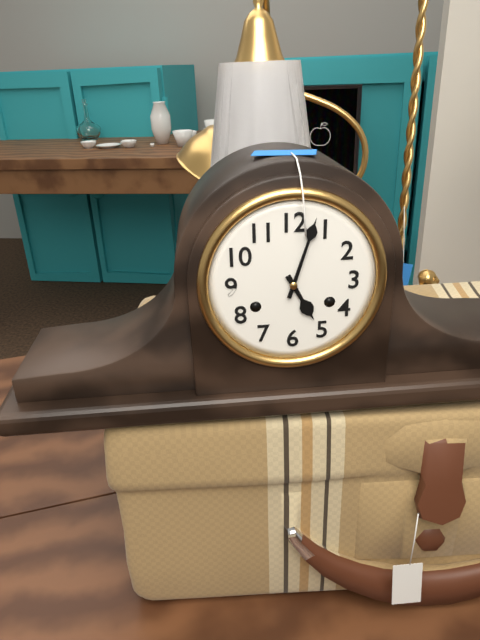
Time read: **5:03**
